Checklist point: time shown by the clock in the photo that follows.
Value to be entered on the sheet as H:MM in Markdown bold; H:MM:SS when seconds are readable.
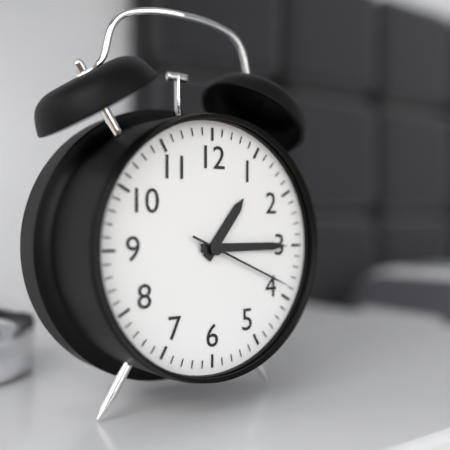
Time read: **1:15:19**
